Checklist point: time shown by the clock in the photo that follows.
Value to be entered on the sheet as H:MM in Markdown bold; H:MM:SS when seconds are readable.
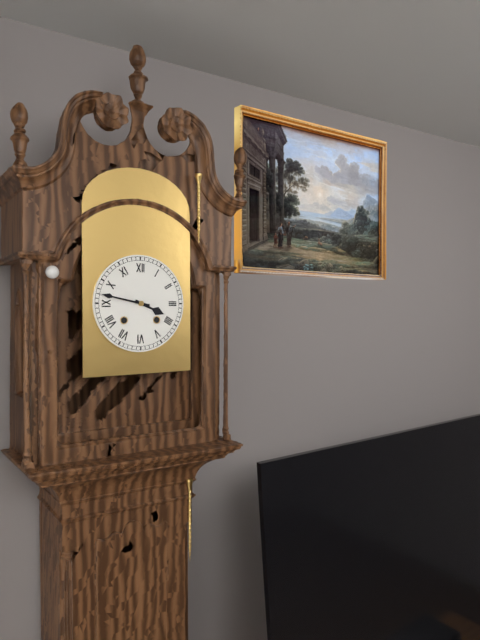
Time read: **3:47**
